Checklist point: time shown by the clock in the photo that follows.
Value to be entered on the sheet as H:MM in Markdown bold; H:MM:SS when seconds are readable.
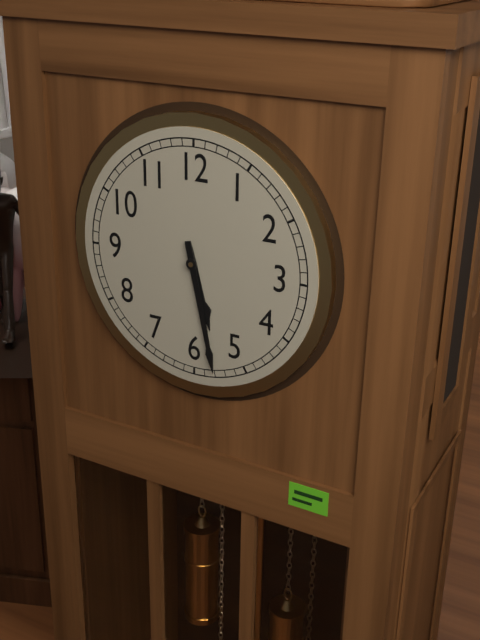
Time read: **5:28**
